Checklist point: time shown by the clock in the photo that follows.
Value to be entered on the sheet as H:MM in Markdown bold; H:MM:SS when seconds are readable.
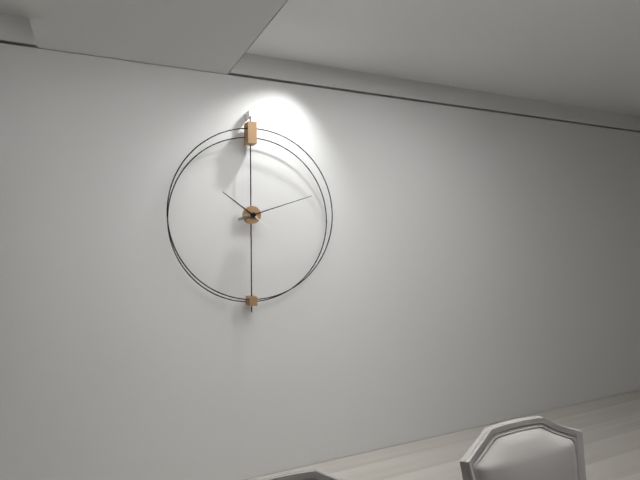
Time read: **10:12**
